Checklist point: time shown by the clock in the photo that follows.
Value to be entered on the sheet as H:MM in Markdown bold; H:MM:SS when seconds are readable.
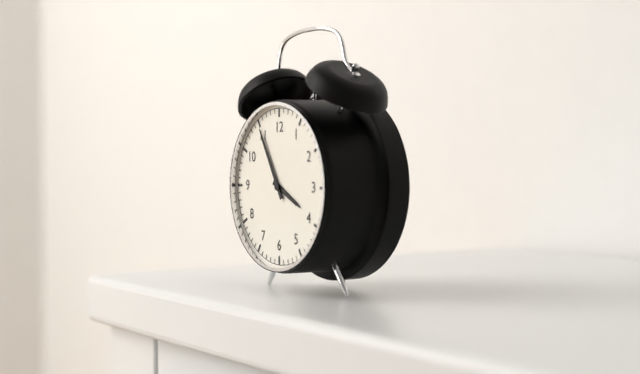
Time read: **3:55**
